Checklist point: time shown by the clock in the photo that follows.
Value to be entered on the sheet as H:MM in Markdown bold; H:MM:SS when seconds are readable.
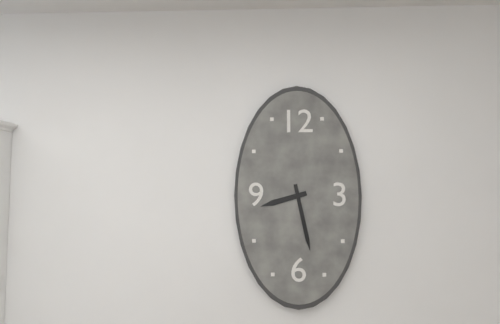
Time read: **8:28**
